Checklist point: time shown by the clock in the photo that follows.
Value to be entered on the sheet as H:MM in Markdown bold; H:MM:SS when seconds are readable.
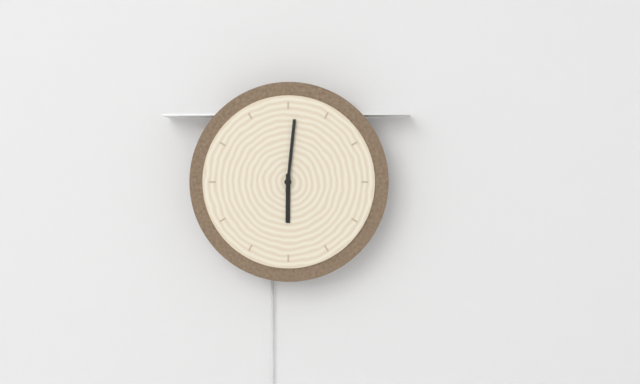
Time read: **6:01**
